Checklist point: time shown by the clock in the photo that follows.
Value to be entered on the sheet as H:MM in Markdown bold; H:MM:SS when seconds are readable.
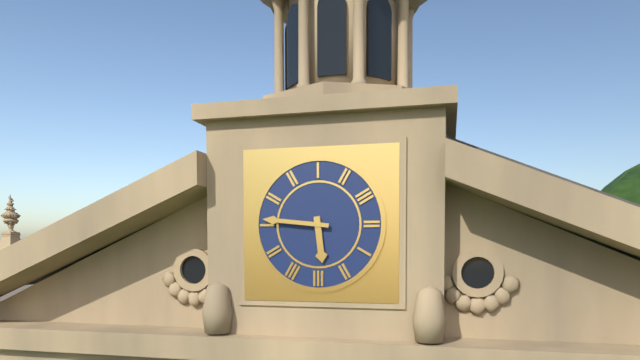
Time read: **5:46**
